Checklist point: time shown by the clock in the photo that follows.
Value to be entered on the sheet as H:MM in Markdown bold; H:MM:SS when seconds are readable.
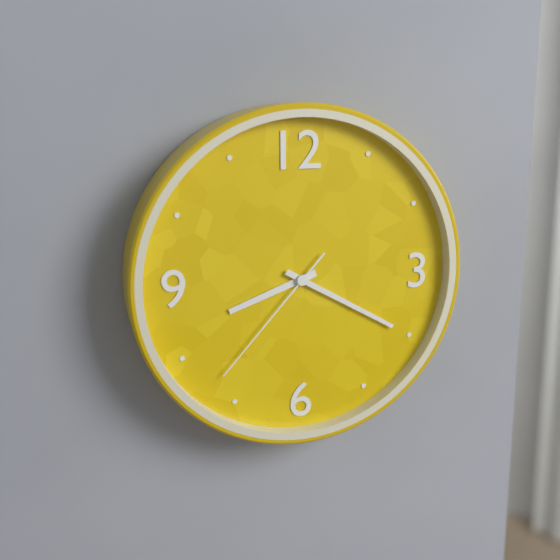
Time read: **8:20:37**
